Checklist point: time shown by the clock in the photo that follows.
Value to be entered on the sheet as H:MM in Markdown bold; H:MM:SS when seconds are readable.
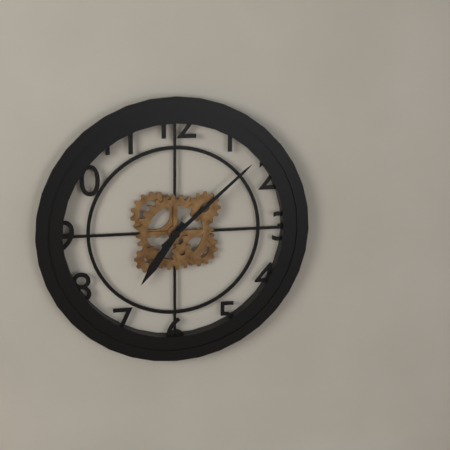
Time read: **7:08**
